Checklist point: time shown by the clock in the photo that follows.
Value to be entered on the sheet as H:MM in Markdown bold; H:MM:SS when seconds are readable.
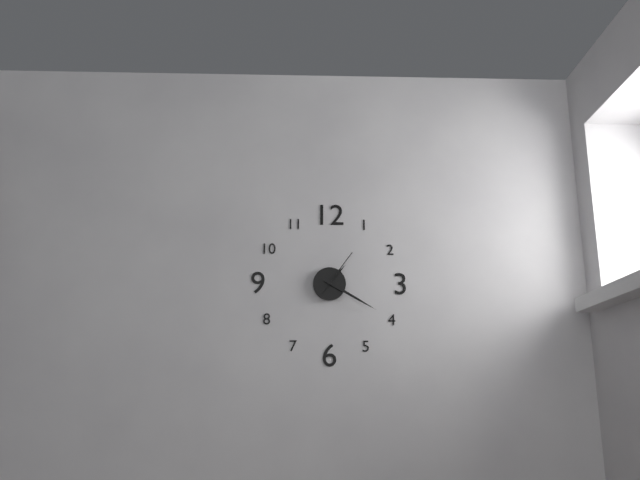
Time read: **1:20**
